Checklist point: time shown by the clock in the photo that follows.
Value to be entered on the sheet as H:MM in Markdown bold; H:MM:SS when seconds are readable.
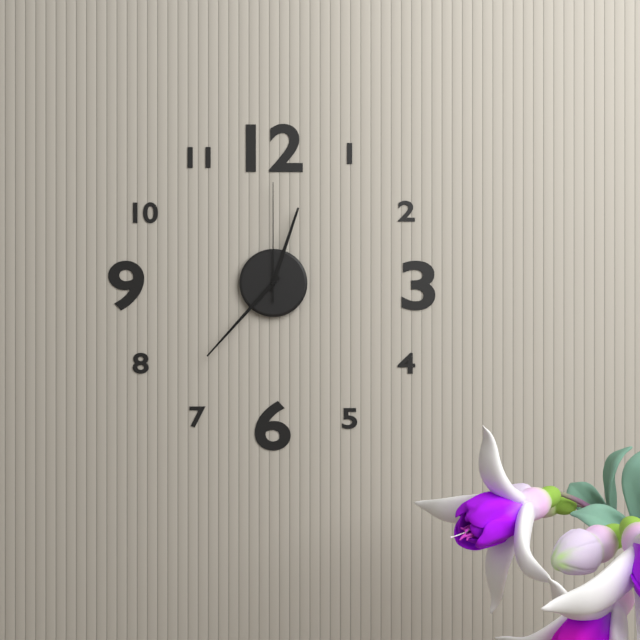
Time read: **12:37:00**
